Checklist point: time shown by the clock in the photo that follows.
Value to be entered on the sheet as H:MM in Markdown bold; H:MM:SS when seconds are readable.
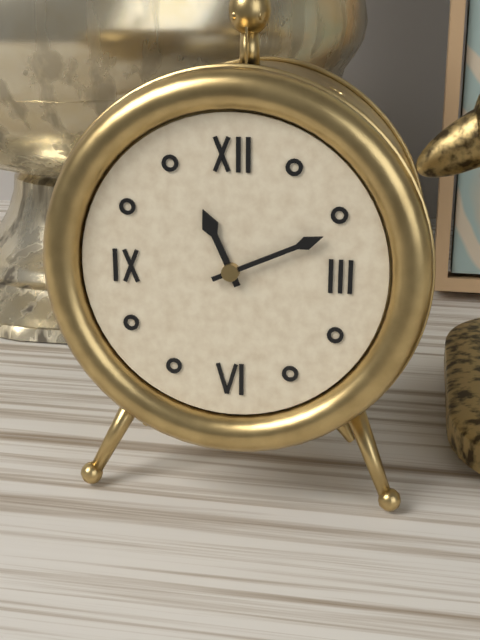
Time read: **11:11**
